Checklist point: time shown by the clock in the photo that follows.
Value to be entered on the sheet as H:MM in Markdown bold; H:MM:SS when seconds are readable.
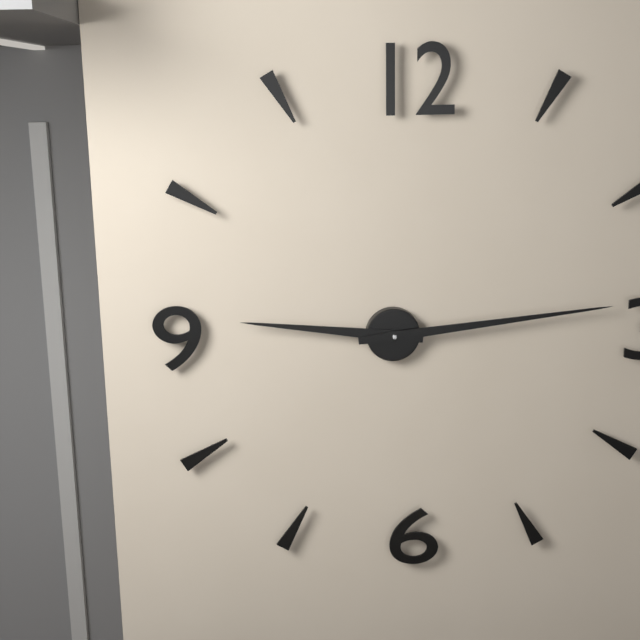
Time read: **9:14**
